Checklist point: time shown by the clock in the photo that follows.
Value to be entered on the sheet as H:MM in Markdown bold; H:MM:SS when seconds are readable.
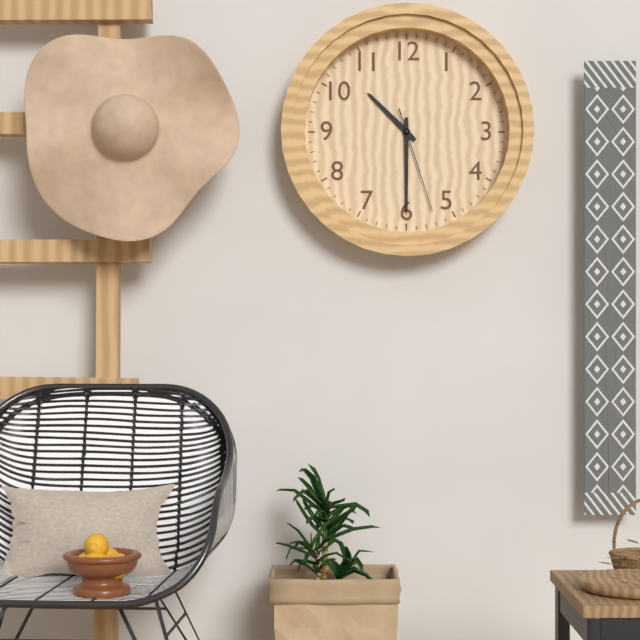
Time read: **10:30:27**
